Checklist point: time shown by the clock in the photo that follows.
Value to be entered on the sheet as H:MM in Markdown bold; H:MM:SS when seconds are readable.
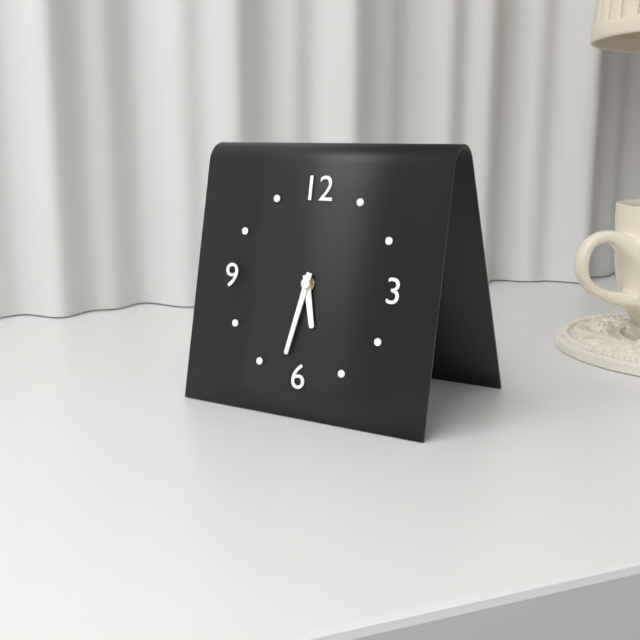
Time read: **5:32**
